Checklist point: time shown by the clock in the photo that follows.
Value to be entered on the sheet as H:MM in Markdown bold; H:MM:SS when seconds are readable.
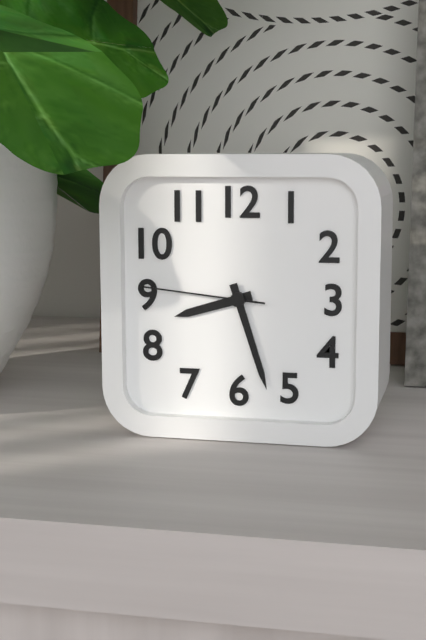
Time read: **8:27:46**
